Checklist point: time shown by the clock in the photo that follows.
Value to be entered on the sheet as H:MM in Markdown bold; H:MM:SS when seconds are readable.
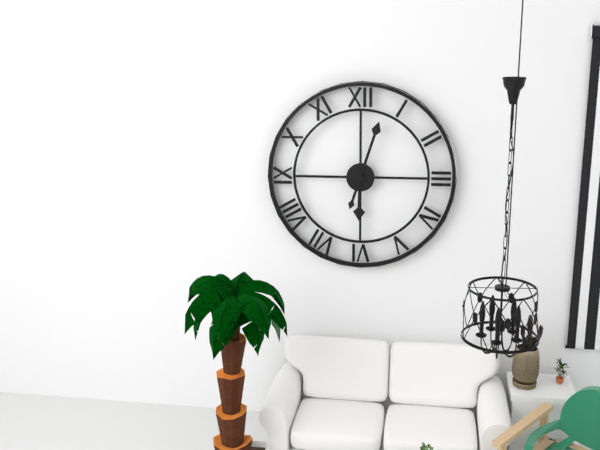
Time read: **6:03**
